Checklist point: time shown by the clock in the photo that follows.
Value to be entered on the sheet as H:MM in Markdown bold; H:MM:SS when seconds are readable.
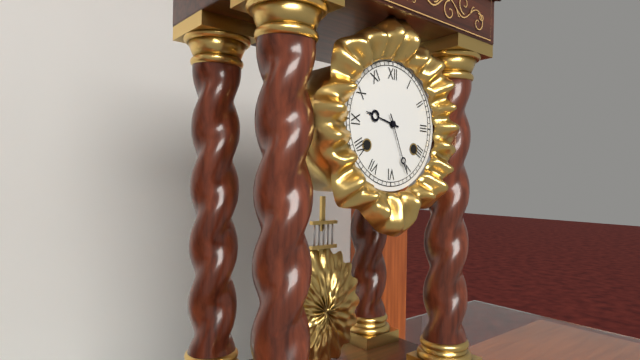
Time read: **9:26**
